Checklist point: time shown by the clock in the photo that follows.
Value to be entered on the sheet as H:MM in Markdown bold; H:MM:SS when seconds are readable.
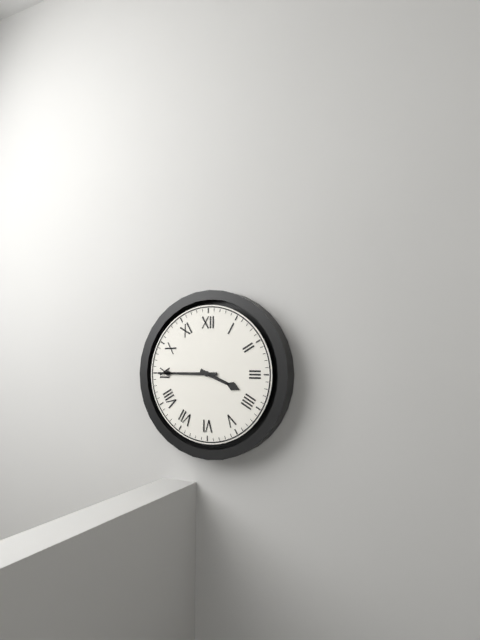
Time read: **3:45**
